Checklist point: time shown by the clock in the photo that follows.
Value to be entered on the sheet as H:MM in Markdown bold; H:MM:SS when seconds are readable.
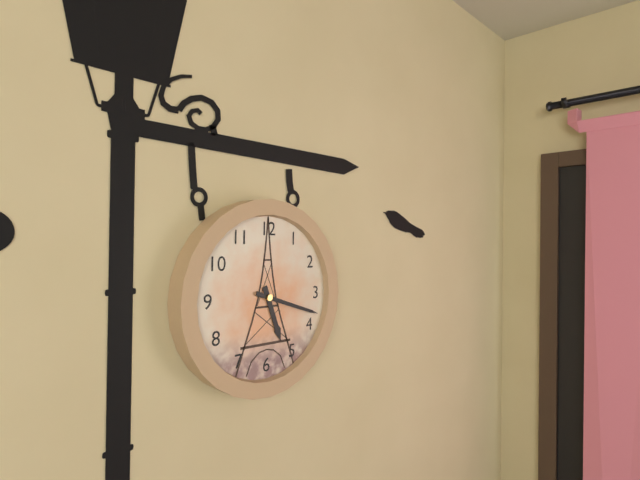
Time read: **5:18**
